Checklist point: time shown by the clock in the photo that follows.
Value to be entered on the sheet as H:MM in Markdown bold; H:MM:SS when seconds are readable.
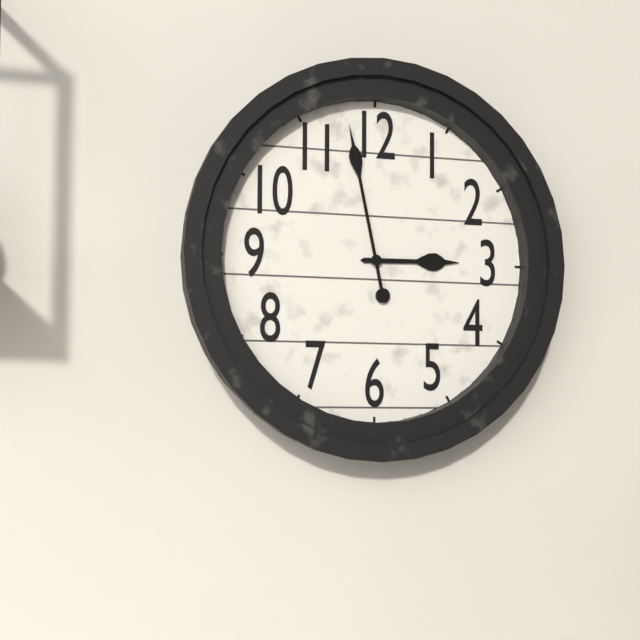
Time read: **2:58**
